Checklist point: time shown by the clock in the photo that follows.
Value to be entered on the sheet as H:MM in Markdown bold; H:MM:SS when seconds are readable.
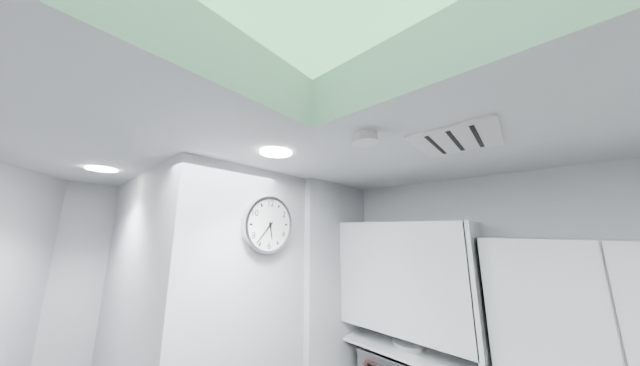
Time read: **5:37**
